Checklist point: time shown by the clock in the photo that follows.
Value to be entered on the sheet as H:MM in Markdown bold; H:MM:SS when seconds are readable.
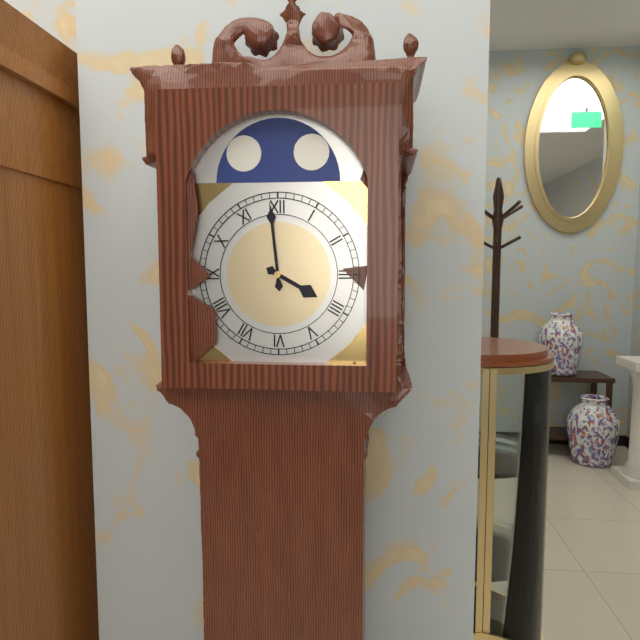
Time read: **3:59**
